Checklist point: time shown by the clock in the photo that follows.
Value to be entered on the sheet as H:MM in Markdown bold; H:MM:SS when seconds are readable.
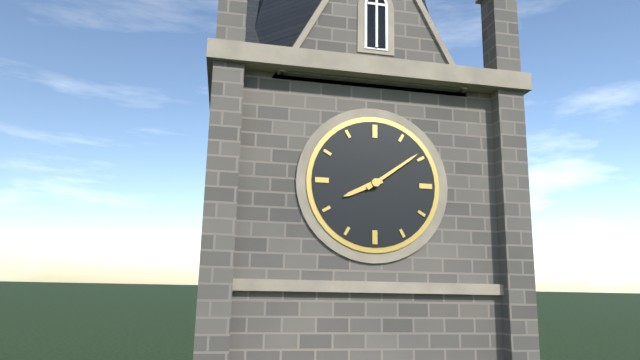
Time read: **8:09**
